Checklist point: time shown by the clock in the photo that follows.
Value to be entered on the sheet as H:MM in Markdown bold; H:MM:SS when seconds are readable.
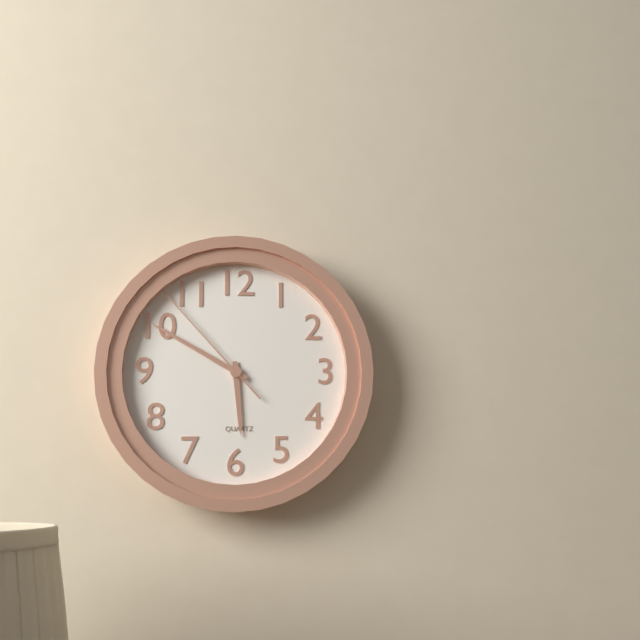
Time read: **5:50:53**
